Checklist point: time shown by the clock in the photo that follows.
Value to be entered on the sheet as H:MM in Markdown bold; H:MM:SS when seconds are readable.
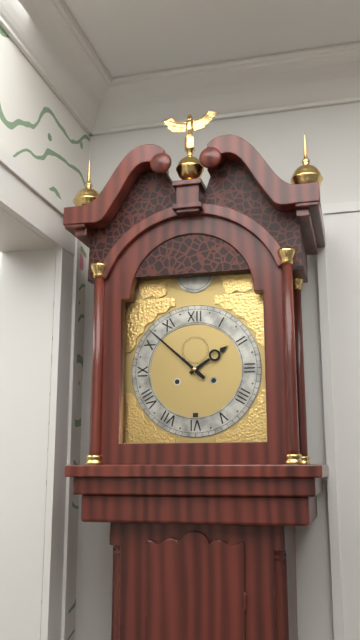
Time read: **1:52**
